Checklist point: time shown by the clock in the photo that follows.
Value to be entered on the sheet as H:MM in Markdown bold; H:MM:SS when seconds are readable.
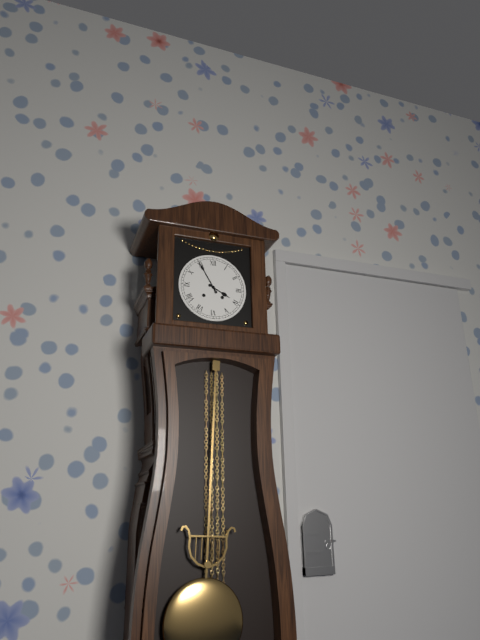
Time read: **3:55**
